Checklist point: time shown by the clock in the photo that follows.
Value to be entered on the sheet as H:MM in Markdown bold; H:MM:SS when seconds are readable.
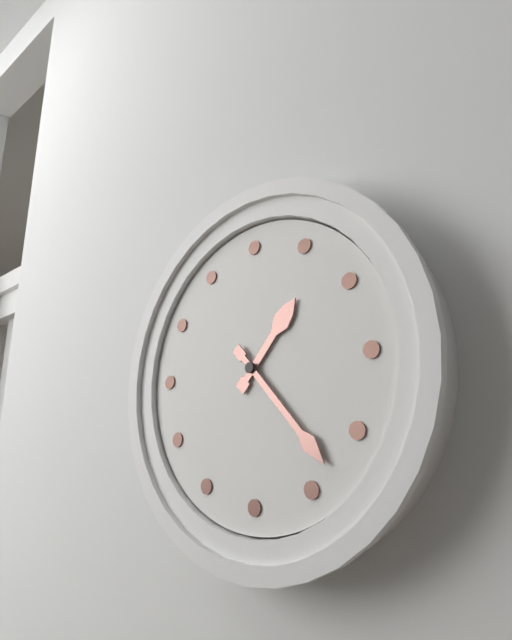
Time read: **1:23**
